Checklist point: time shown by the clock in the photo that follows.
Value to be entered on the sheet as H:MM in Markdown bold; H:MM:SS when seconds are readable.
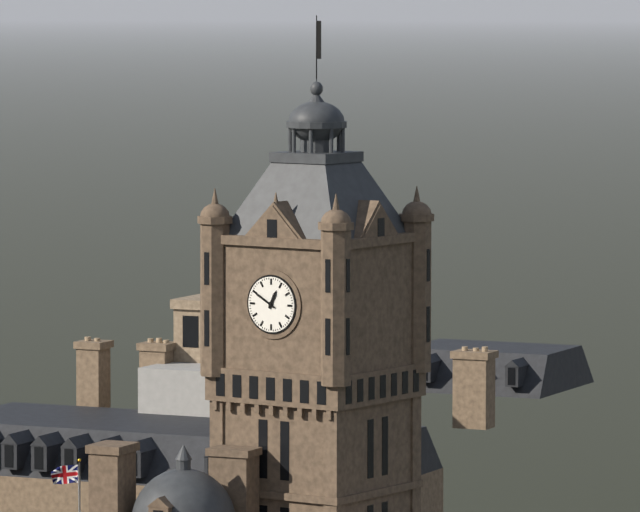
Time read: **12:50**
